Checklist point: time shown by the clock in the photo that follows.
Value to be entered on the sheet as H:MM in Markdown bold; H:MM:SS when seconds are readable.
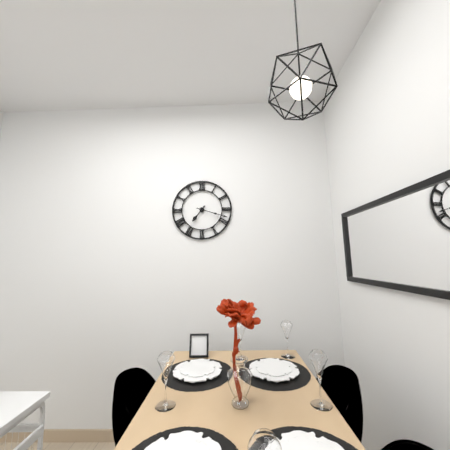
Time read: **7:18**
